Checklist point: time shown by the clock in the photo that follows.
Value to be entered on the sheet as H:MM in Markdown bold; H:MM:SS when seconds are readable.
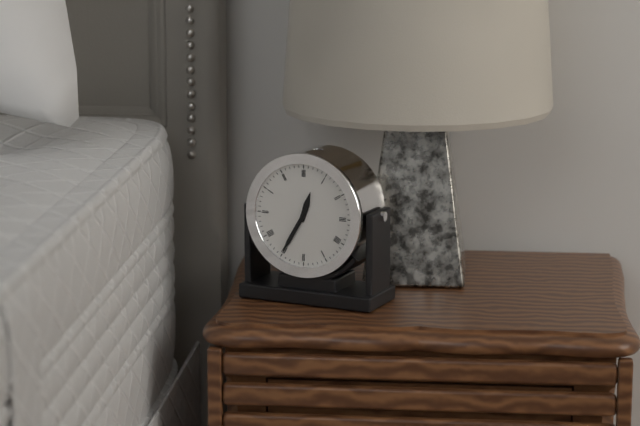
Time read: **12:35**
